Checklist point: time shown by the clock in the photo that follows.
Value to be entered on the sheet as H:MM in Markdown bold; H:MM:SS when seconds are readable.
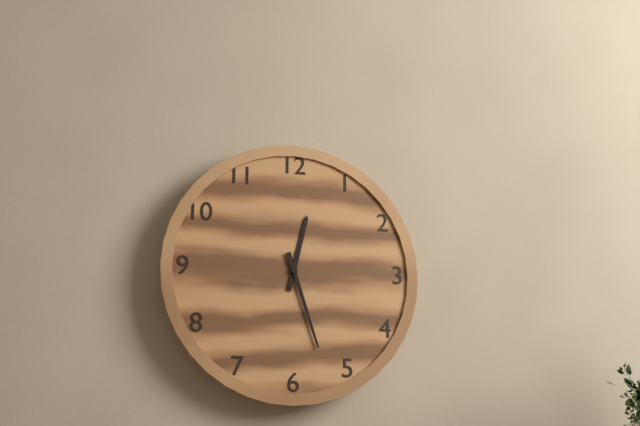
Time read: **12:27**
